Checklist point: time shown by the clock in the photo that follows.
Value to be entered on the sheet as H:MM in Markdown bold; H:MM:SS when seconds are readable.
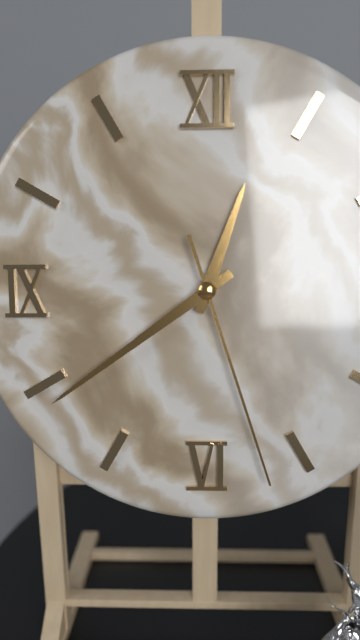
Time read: **12:39:27**
